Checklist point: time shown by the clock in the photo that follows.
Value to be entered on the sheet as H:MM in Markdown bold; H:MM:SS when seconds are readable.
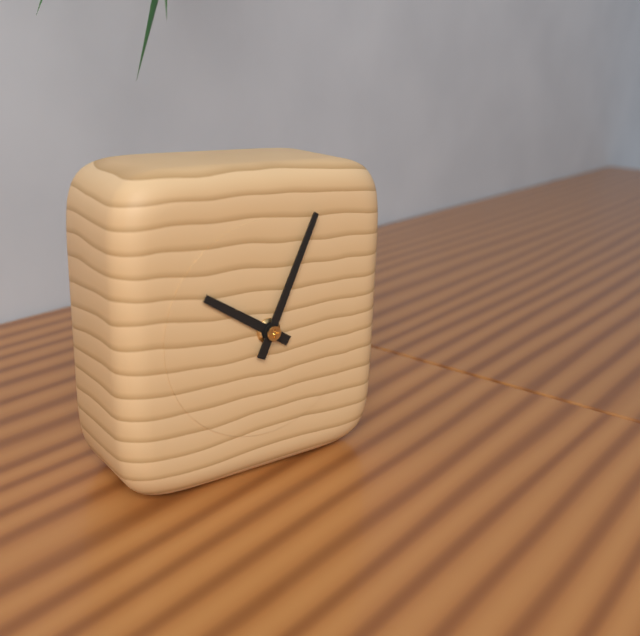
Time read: **10:04**
